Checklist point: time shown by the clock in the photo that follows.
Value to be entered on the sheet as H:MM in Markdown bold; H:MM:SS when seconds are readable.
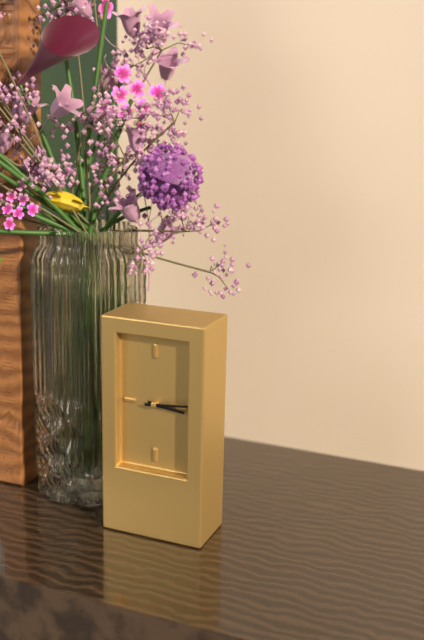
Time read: **3:14**
